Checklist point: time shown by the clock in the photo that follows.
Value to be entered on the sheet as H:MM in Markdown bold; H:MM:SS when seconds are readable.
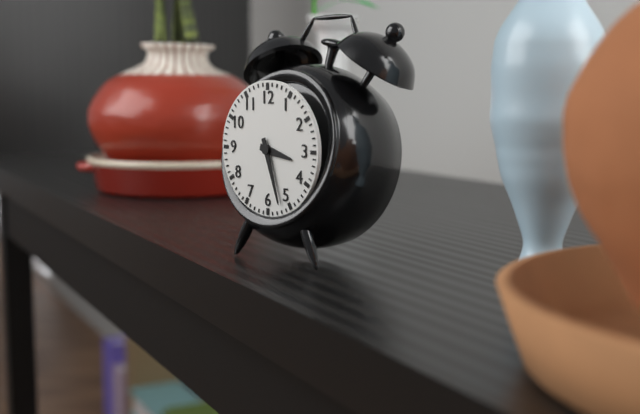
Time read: **3:27**
